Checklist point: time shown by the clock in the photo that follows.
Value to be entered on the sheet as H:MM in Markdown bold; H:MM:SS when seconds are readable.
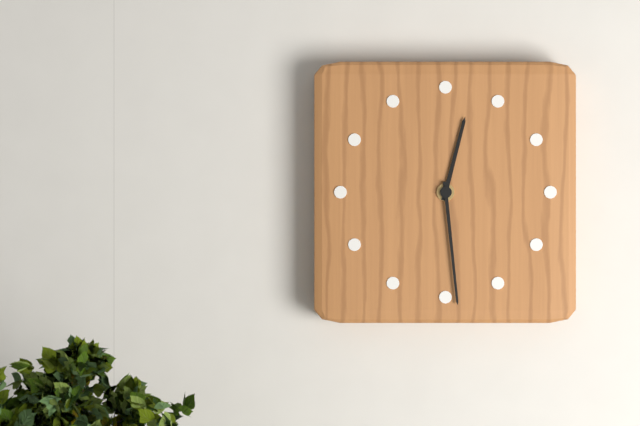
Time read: **12:29**
